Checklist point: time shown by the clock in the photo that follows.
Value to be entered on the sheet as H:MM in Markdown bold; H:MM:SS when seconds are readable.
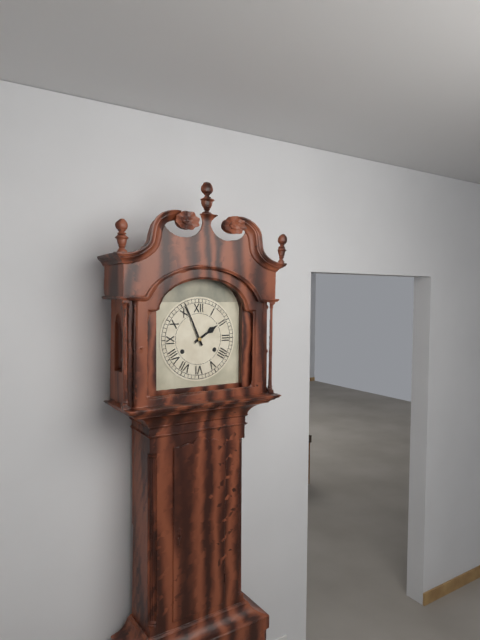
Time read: **1:56**
